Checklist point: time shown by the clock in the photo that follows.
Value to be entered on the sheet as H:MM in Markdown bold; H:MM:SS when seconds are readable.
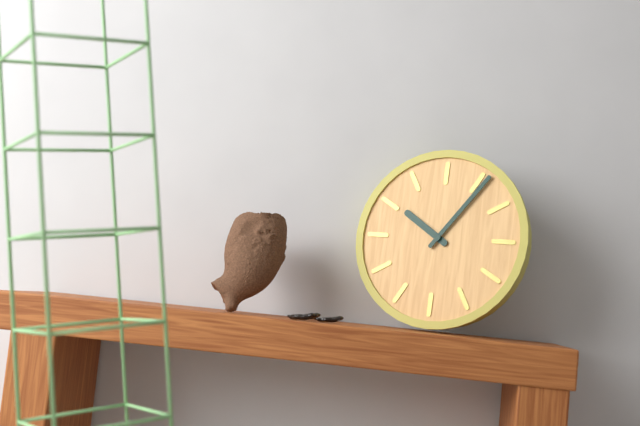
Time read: **10:06**
